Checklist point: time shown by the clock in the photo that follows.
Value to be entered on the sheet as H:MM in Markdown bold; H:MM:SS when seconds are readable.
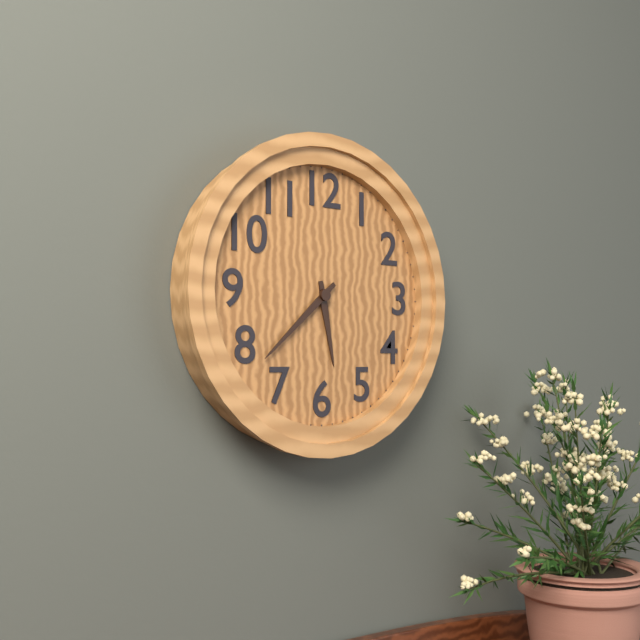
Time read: **5:38**
